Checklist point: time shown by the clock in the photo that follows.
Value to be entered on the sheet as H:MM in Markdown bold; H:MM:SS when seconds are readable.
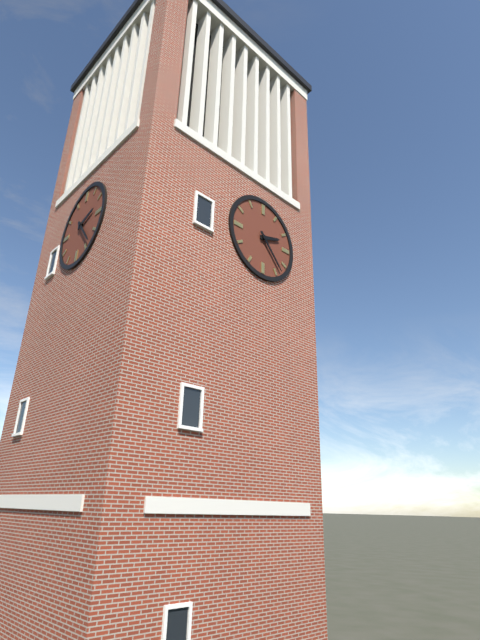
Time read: **2:23**
